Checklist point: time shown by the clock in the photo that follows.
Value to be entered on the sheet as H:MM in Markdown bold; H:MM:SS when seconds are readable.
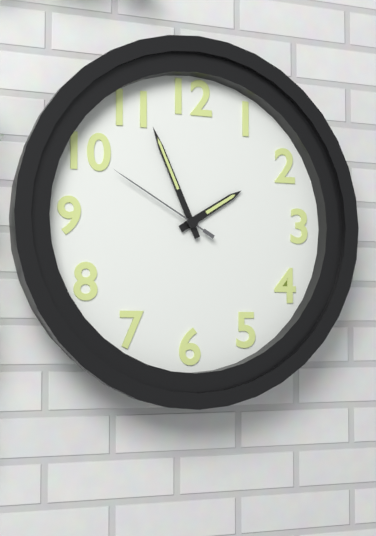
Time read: **1:56:50**
